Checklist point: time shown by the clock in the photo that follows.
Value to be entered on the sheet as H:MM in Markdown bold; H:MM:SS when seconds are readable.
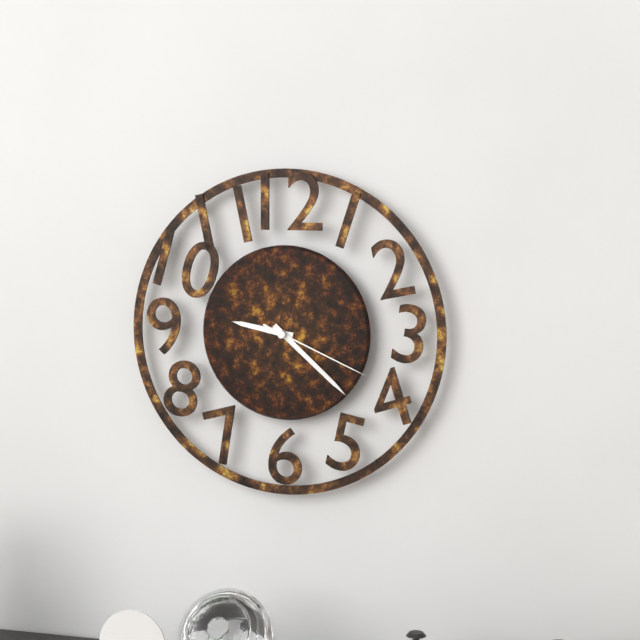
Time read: **9:22:19**
